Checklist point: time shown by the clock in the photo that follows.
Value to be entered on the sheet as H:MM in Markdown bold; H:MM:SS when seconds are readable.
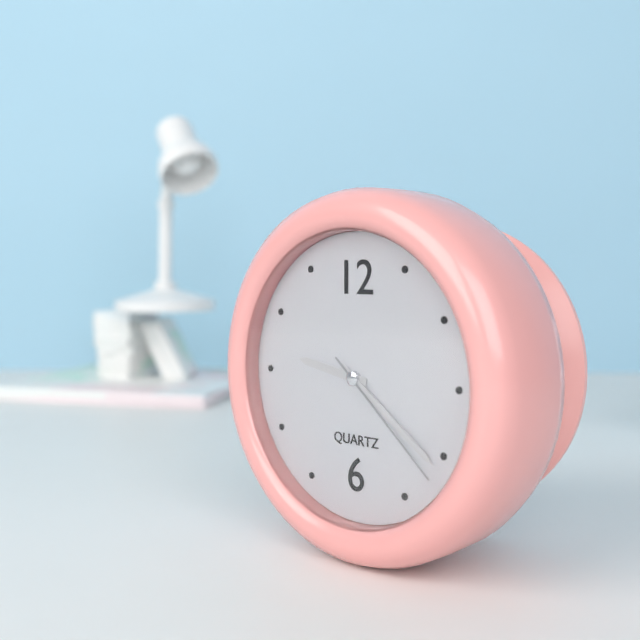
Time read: **9:21:22**
